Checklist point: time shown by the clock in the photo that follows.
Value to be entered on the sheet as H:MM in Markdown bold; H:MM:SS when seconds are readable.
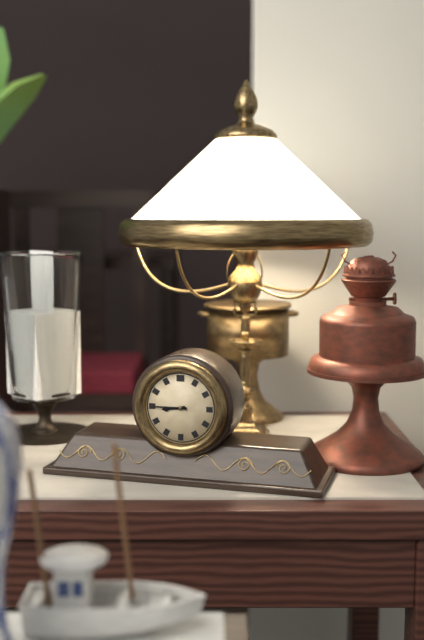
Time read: **8:45**
